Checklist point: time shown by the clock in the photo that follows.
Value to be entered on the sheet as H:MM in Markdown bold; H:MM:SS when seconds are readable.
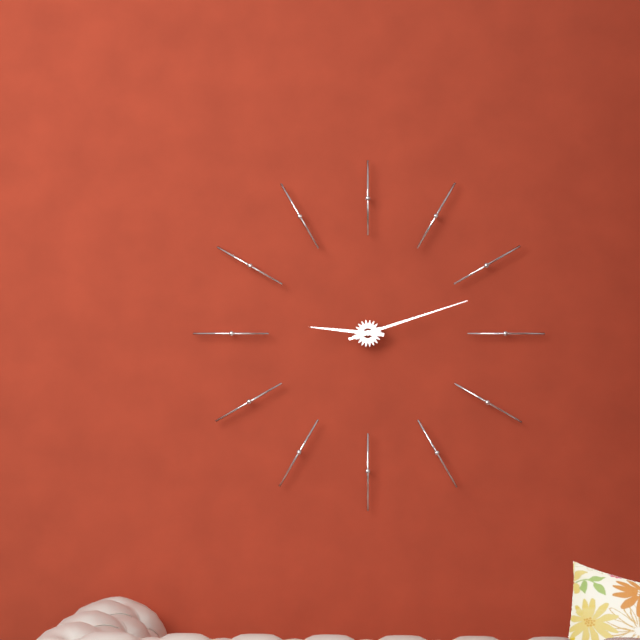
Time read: **9:12**
